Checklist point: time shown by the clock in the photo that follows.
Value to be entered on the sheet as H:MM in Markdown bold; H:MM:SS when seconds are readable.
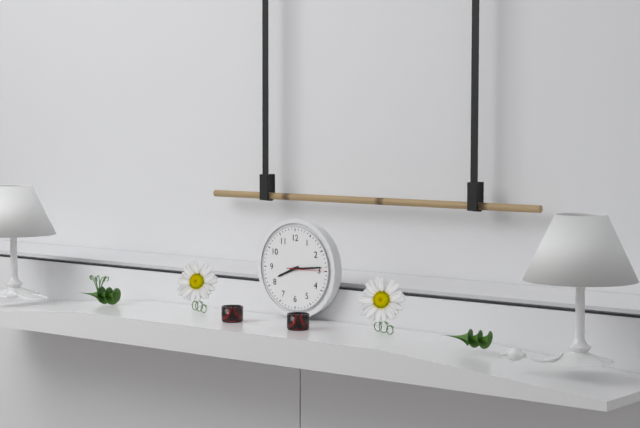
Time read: **8:14**
